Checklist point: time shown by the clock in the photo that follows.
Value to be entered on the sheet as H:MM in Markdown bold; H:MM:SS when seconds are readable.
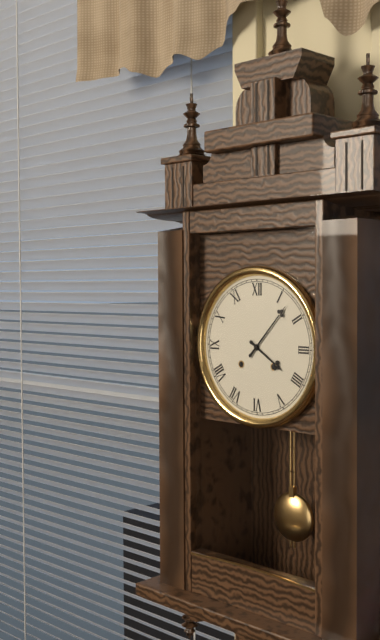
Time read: **4:07**
